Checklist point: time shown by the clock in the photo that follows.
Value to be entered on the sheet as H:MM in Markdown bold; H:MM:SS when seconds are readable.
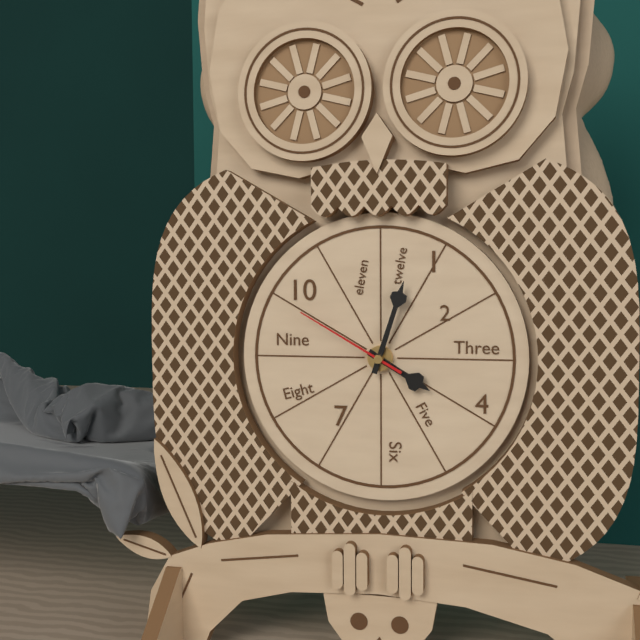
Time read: **4:03:50**
